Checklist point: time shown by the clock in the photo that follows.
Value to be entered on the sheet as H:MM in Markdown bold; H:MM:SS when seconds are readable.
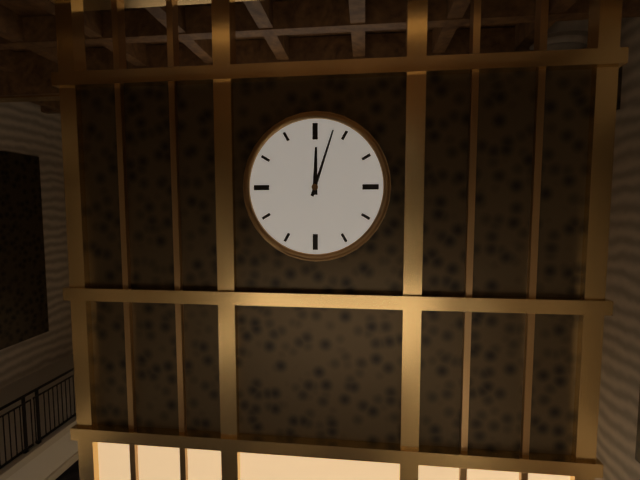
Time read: **12:03**
